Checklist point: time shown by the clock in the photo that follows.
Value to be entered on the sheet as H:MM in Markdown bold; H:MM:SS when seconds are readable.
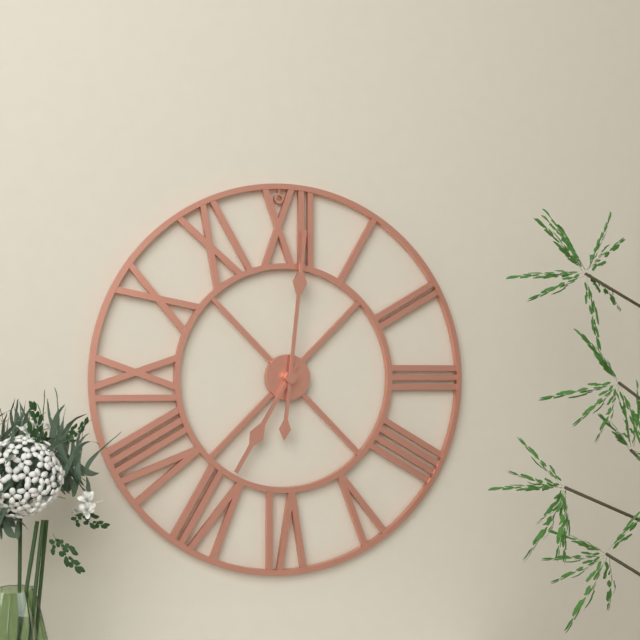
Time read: **7:01**
